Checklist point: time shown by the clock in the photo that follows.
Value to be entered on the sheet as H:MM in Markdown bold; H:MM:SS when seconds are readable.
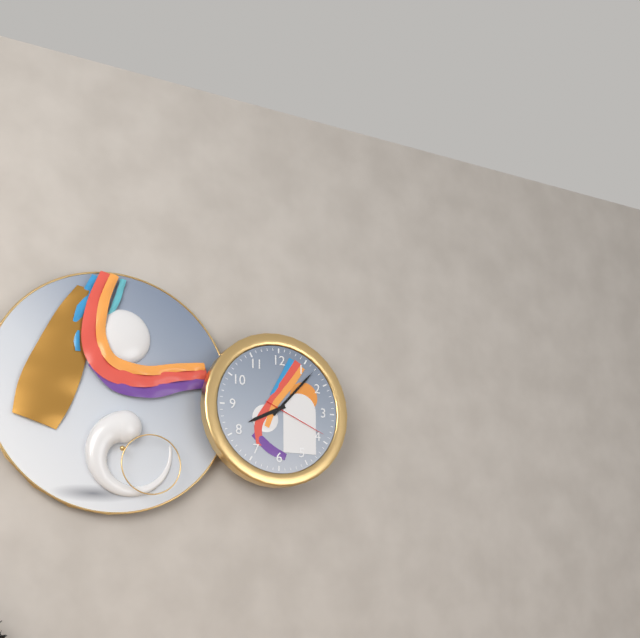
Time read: **8:07:19**
